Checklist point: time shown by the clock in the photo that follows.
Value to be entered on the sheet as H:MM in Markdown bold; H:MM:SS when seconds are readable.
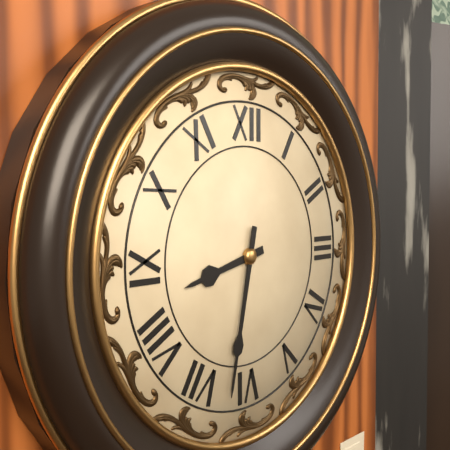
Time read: **8:32**
